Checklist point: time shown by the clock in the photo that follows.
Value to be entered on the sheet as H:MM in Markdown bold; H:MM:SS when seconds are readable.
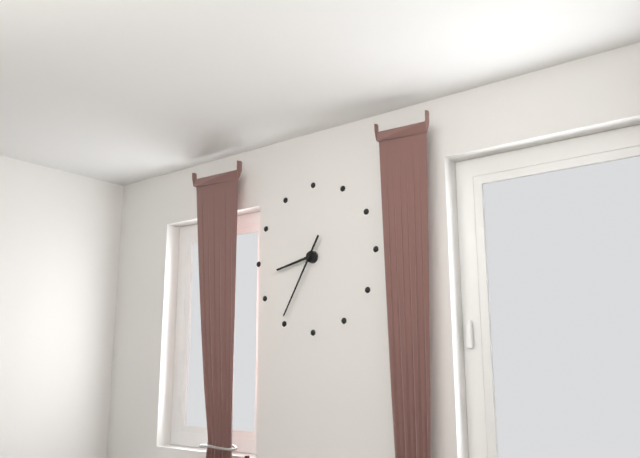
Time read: **8:35**
